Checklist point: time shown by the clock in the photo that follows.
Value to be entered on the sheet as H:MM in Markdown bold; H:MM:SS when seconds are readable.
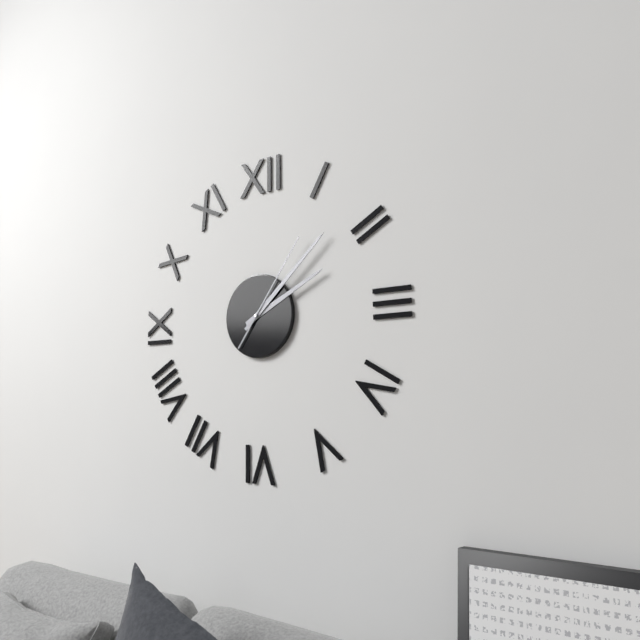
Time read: **2:08:06**
